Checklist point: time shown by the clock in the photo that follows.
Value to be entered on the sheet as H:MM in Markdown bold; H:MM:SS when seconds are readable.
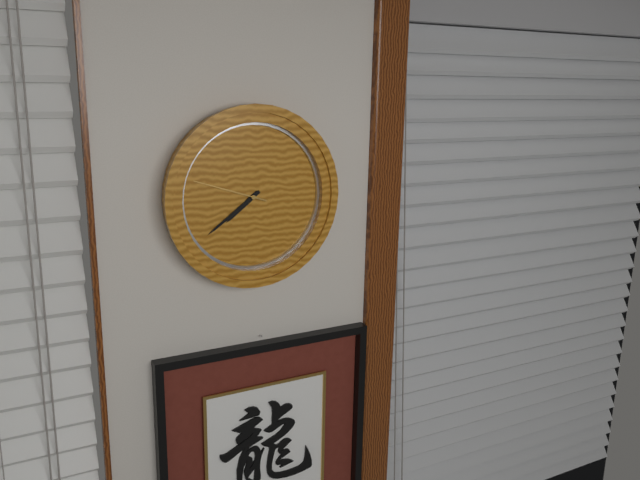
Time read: **7:39:48**
